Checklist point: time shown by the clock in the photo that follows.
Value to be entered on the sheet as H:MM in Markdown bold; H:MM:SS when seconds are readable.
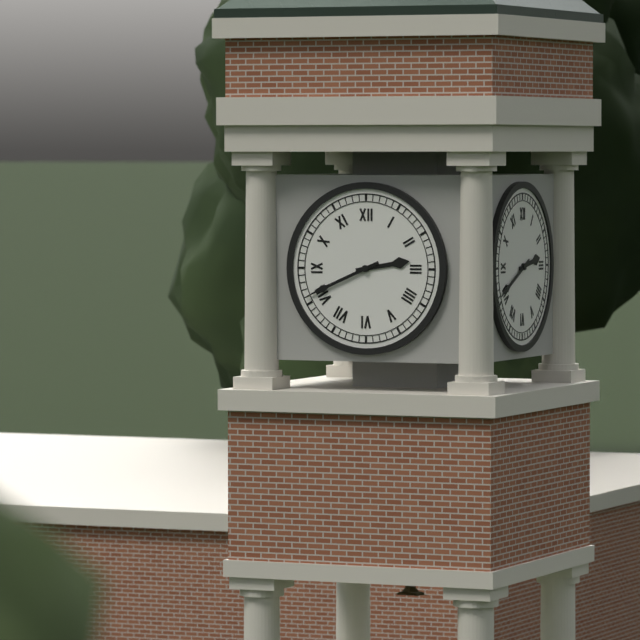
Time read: **2:41**
